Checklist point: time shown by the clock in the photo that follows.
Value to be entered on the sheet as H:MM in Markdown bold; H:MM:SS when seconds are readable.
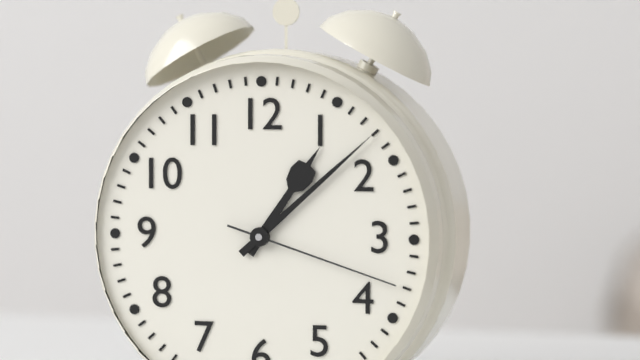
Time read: **1:08:18**
